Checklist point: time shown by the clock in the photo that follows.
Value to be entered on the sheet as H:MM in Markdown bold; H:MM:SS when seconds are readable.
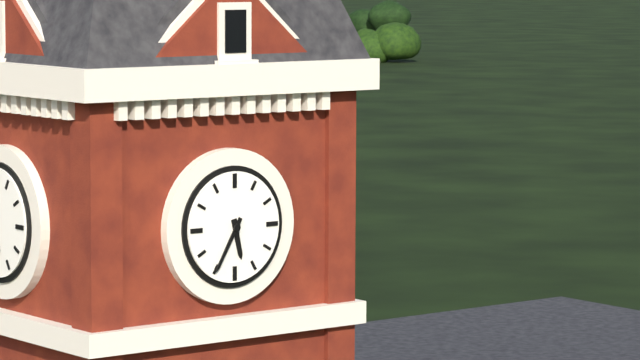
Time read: **5:35**
